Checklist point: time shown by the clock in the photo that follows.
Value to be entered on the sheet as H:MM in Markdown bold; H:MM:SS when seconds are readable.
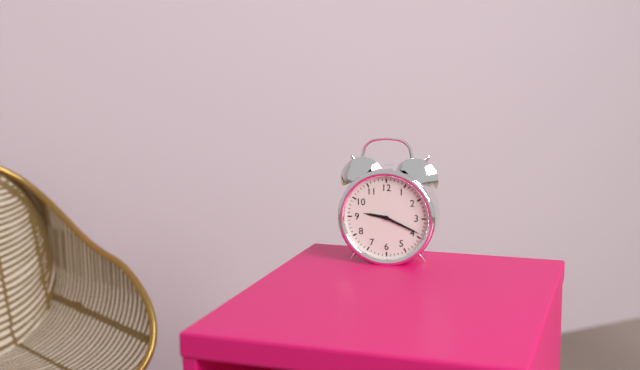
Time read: **9:19**
